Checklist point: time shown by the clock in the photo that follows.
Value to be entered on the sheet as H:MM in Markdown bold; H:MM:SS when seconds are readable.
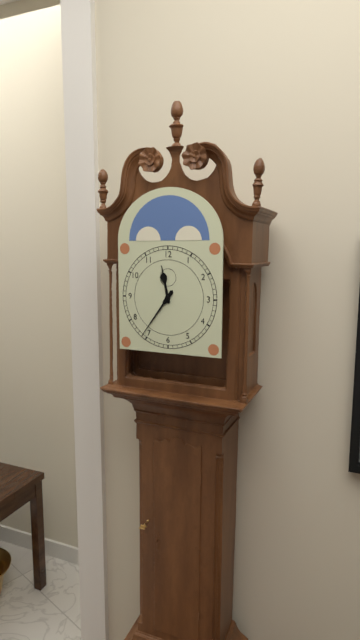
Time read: **11:36**
